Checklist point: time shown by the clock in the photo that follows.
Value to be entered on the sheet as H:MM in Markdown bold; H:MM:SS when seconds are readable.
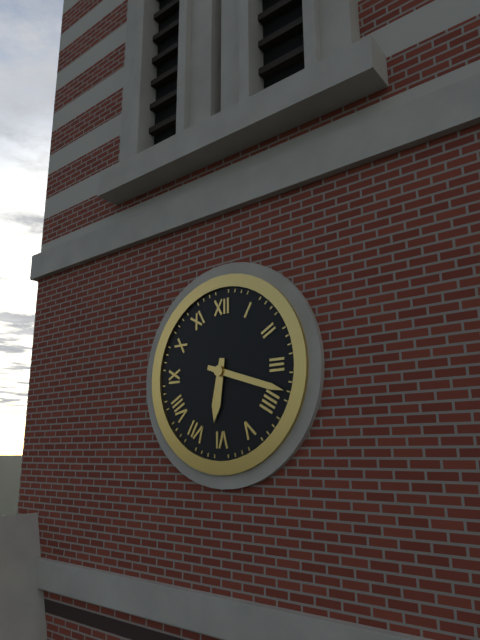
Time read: **6:18**
